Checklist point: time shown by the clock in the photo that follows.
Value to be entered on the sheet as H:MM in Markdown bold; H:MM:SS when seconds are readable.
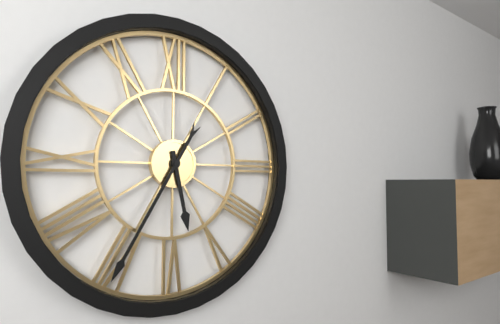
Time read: **5:35**
